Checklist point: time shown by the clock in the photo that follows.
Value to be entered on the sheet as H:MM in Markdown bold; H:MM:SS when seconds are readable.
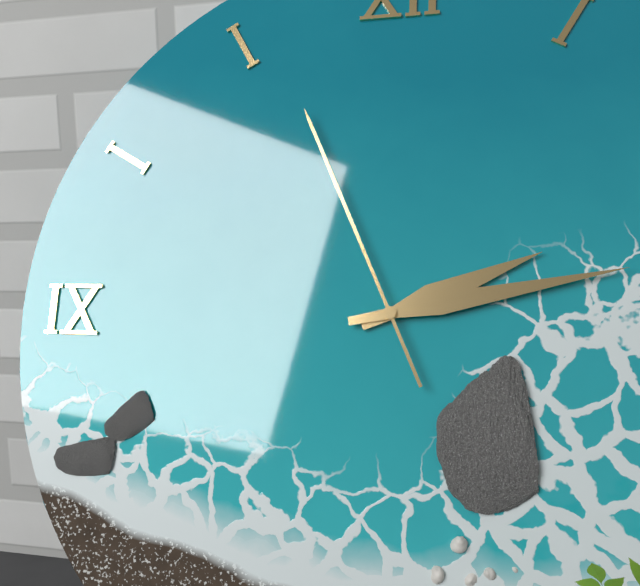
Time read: **2:13:56**
